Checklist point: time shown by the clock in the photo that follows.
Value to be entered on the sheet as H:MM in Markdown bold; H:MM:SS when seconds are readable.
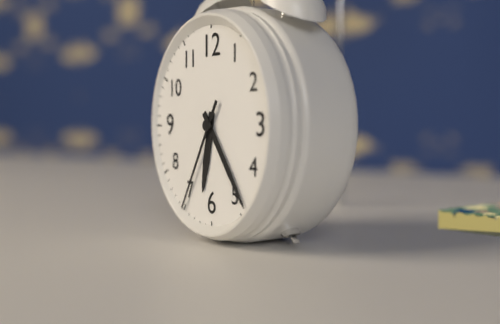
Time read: **6:24:35**
